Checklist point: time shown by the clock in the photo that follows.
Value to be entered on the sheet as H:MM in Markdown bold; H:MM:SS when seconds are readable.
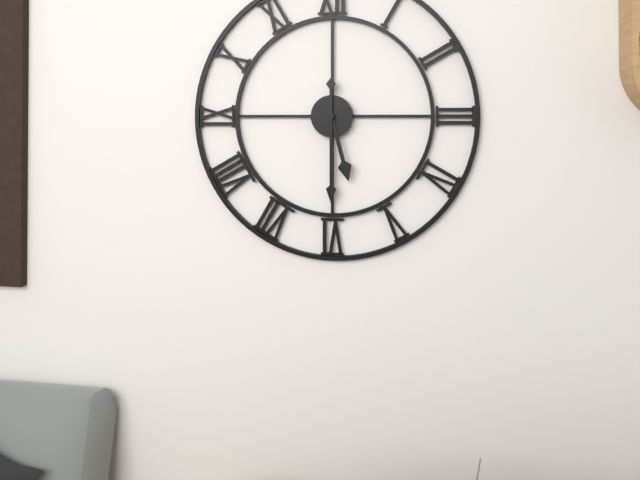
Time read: **5:30**
